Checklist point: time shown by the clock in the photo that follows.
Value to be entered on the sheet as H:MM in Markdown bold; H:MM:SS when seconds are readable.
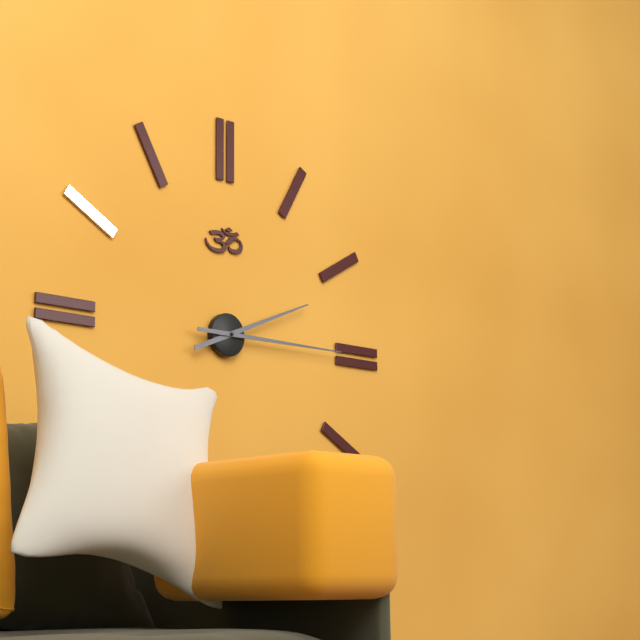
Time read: **2:15**
